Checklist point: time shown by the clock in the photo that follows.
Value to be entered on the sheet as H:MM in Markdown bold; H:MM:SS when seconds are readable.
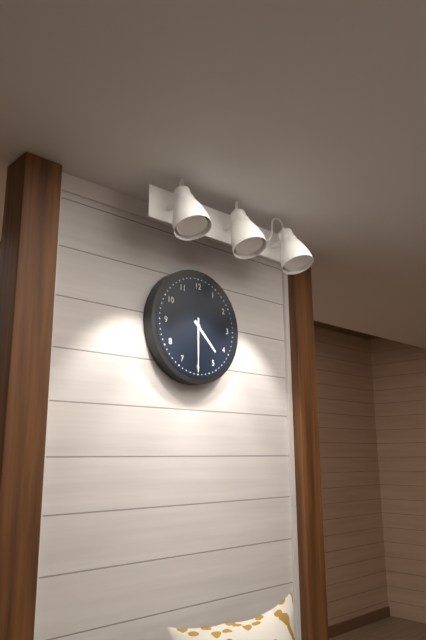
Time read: **4:30**
